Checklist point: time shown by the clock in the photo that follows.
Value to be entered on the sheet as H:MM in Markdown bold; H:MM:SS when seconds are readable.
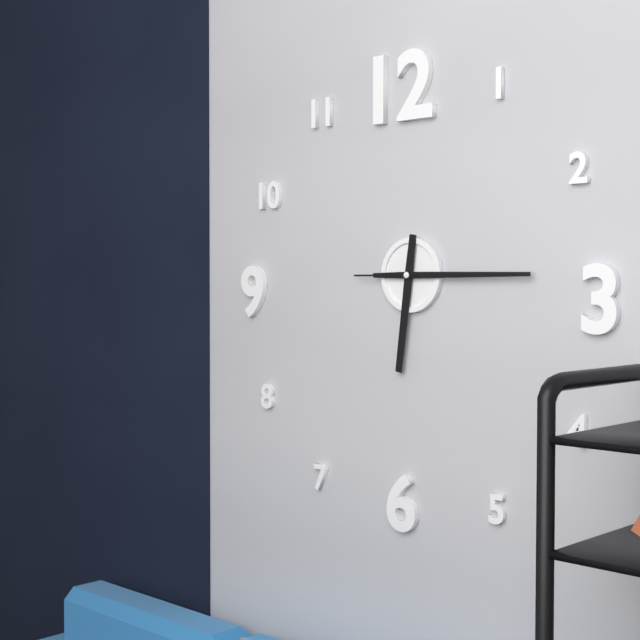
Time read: **6:15:15**
